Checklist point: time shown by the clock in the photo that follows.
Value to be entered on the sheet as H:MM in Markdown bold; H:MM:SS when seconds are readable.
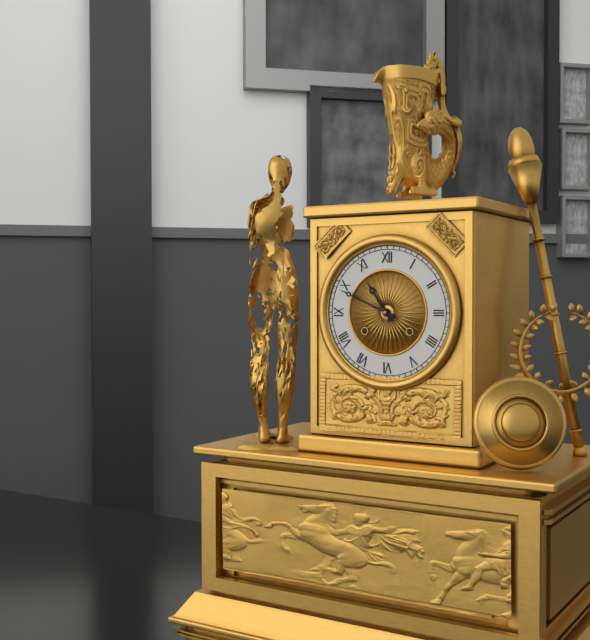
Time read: **10:49**
